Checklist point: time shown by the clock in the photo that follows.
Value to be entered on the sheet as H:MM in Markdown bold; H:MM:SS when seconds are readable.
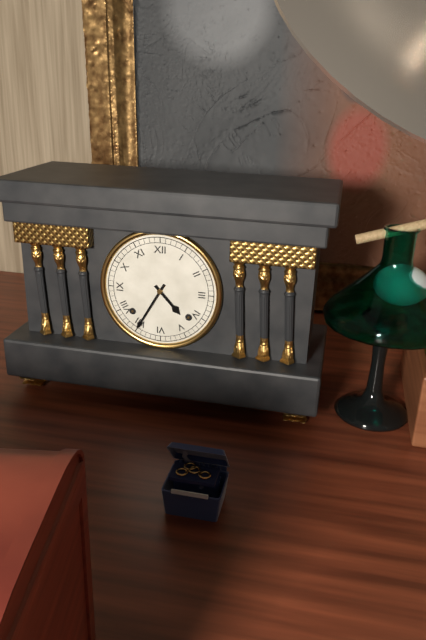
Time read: **4:35**
